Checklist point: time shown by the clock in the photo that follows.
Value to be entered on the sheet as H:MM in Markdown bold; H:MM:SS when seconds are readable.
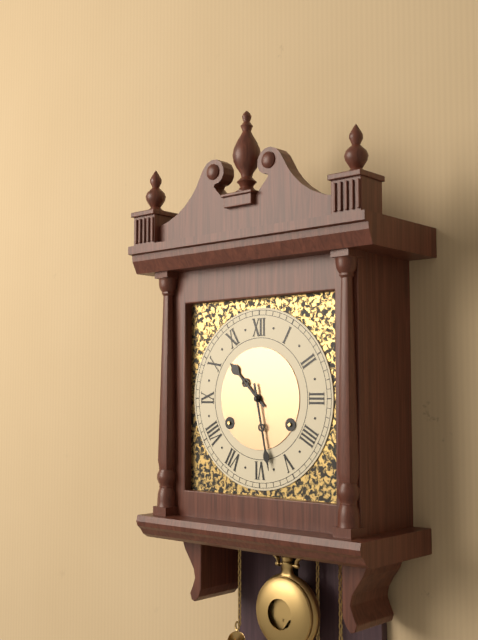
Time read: **10:28**
